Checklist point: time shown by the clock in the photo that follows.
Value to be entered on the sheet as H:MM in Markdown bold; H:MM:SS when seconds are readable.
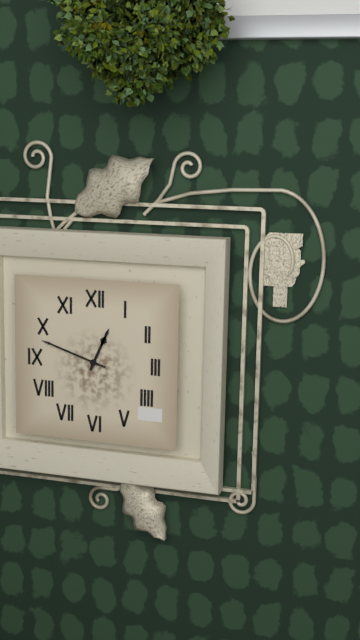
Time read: **12:48**
